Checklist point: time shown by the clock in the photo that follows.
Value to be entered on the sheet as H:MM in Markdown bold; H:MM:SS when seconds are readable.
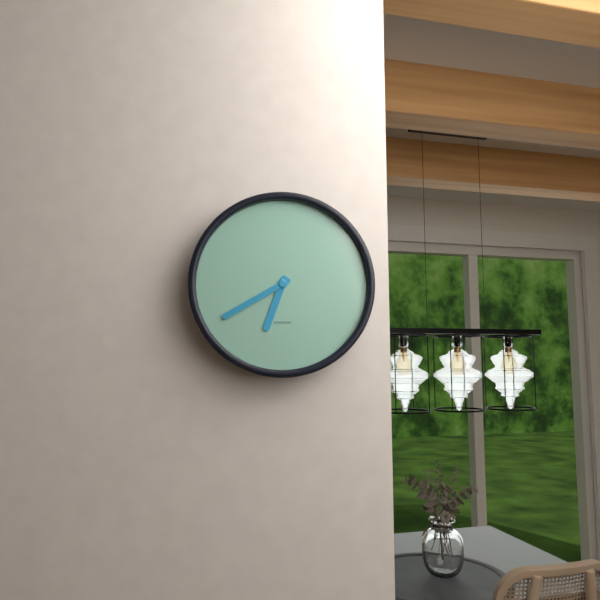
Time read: **6:40**
